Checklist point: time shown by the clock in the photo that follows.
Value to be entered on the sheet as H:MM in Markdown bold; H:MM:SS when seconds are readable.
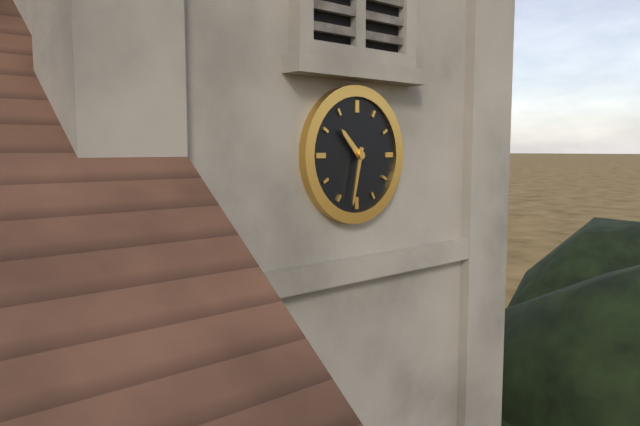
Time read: **10:32**
